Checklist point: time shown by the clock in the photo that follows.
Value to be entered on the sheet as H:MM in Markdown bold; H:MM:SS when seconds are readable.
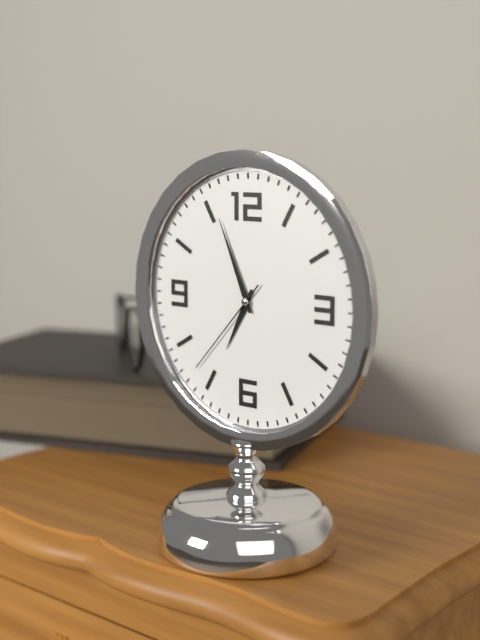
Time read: **6:56:37**
